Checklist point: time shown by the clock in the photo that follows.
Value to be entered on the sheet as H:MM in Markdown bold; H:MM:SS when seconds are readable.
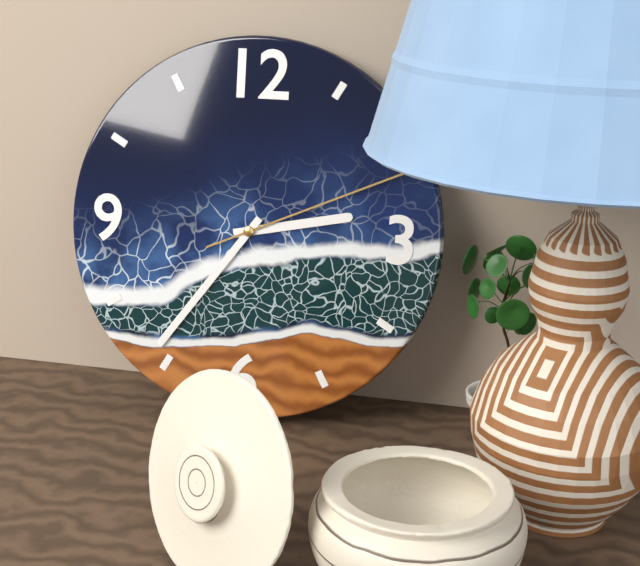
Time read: **2:36:11**
